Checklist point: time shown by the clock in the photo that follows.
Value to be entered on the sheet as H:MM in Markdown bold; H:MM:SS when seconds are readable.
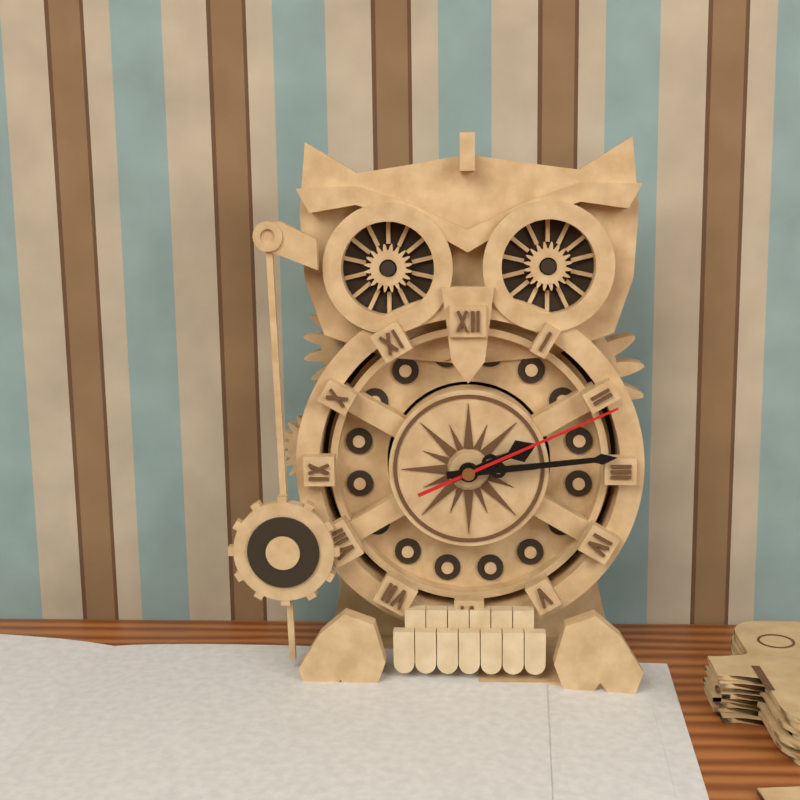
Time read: **2:14:11**
